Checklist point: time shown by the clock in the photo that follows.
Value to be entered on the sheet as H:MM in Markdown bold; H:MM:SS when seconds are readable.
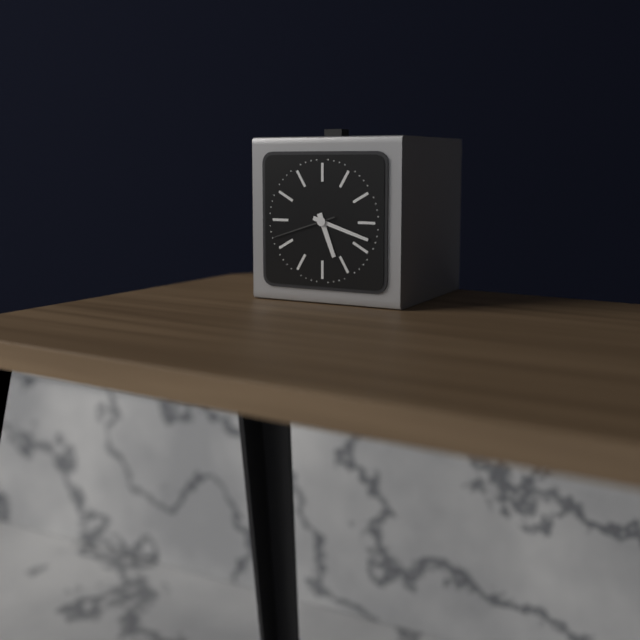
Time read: **5:18:42**
